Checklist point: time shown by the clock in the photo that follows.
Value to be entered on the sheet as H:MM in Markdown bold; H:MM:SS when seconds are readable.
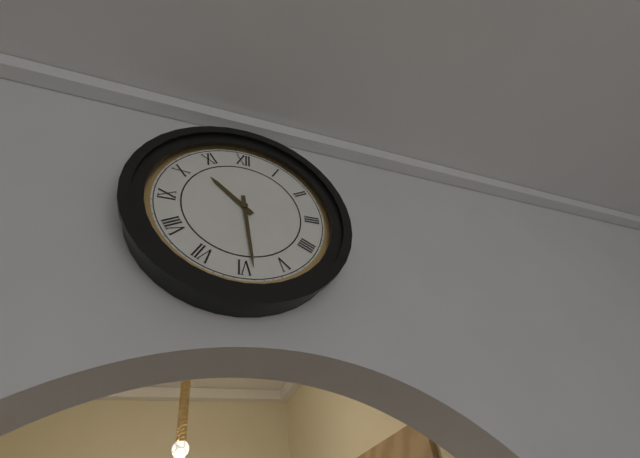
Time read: **10:29**
